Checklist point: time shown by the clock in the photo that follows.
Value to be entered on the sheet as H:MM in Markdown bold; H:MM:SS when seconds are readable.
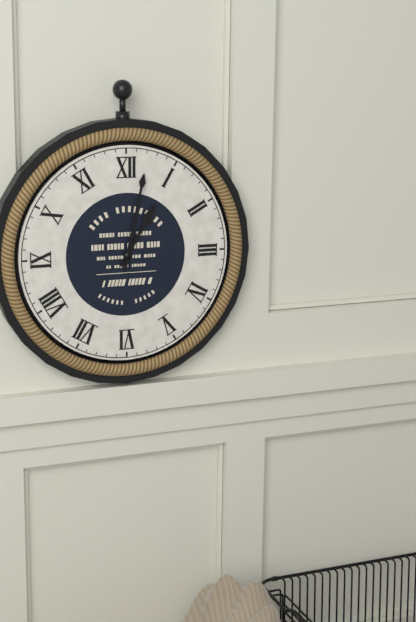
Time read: **1:02**
